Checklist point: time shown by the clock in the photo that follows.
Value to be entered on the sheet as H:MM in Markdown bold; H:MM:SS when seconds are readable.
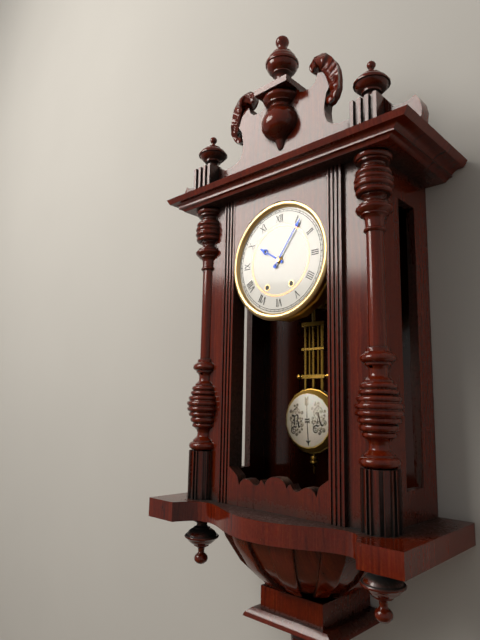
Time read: **10:06**
